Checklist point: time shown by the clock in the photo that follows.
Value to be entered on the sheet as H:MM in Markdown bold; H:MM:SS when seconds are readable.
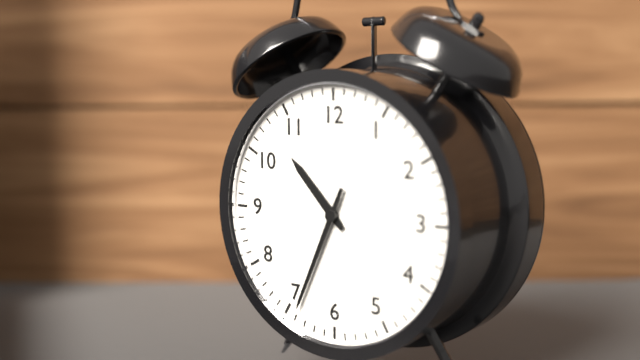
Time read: **10:34**
